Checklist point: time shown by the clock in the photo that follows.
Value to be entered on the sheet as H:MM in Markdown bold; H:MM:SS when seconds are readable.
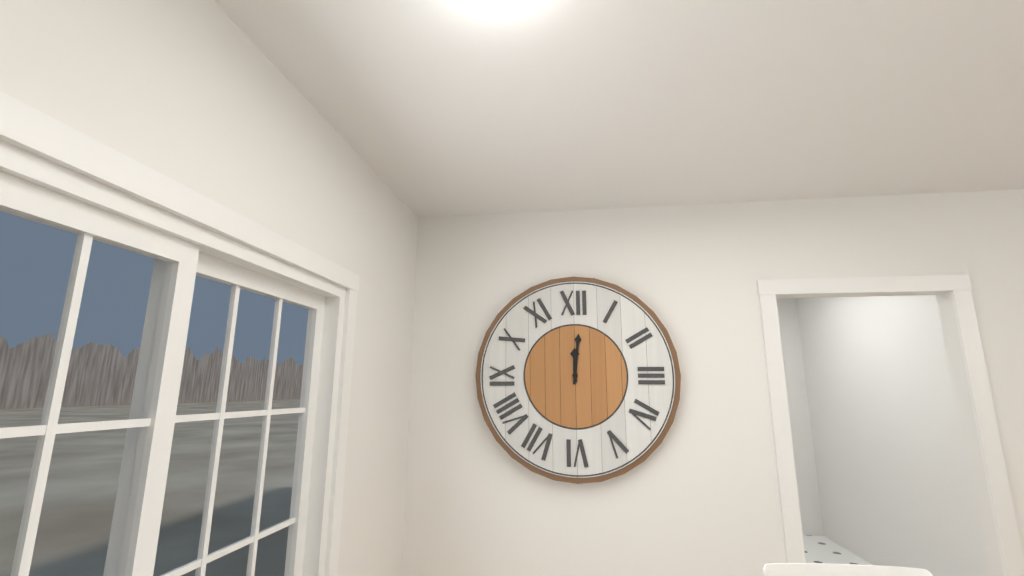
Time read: **12:01**
